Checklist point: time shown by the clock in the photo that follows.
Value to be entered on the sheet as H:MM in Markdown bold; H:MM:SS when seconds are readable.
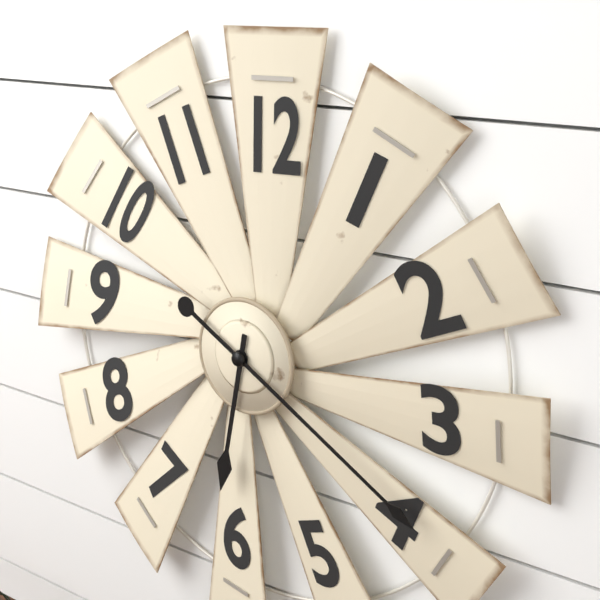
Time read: **6:20**
